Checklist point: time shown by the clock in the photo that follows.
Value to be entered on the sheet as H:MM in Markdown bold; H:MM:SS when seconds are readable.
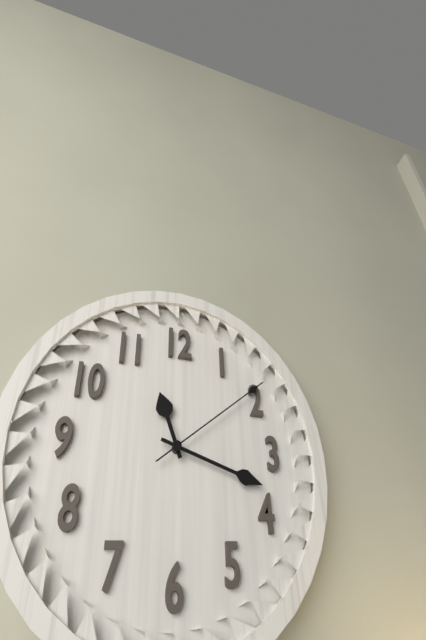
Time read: **11:18:09**
